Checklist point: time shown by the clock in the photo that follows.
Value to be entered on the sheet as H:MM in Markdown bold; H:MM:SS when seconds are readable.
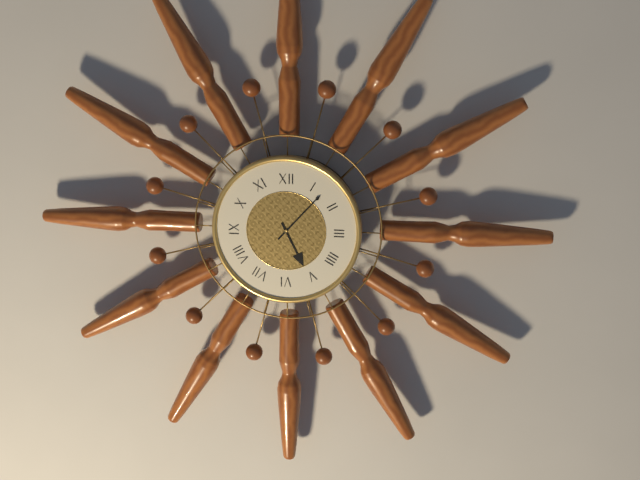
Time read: **5:07**
